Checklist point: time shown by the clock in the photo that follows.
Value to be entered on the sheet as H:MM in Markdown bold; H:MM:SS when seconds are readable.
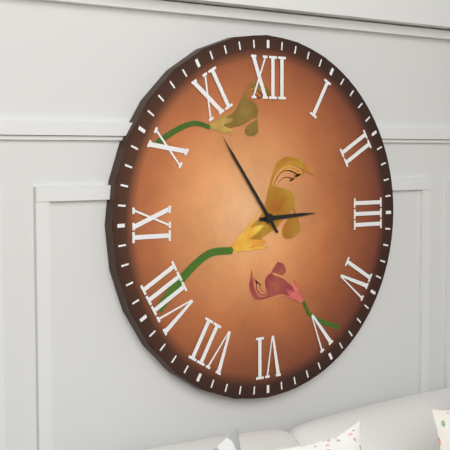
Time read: **2:54**
